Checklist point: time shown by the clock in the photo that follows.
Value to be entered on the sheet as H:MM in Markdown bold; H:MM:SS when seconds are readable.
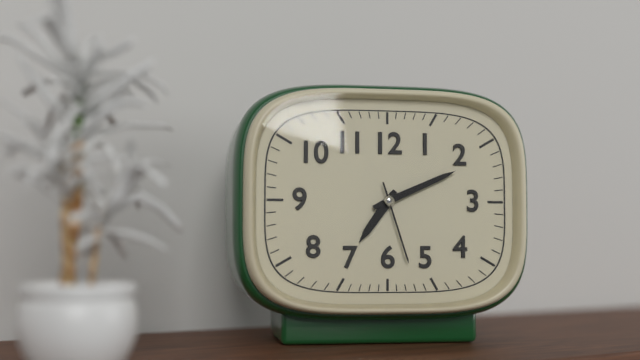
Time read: **7:11:27**
